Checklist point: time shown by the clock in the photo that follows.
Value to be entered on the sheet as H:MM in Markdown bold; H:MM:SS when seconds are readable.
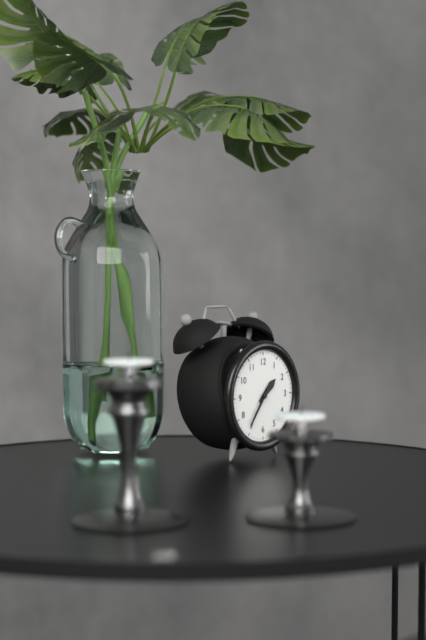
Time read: **1:36**
